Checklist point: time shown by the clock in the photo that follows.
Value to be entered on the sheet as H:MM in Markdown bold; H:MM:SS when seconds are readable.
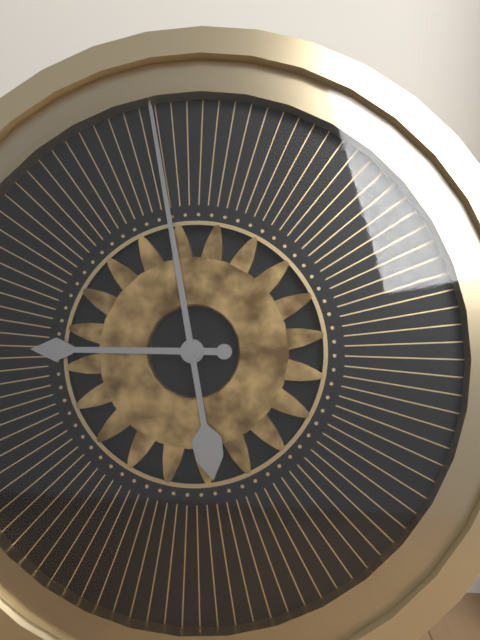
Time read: **8:58**
